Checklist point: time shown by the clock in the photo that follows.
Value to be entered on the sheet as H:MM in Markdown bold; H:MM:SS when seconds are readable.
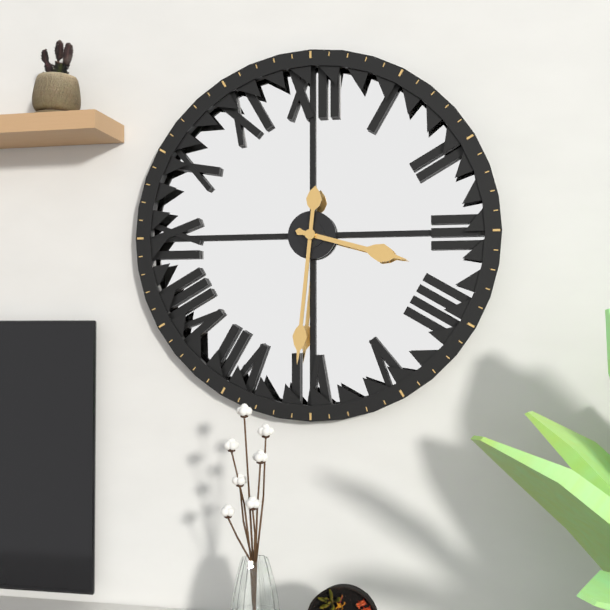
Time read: **3:31**
